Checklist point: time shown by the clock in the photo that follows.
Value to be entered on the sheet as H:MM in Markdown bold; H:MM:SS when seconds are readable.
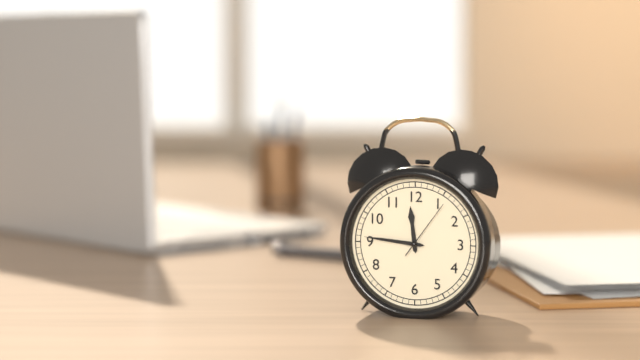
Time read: **11:46:06**
